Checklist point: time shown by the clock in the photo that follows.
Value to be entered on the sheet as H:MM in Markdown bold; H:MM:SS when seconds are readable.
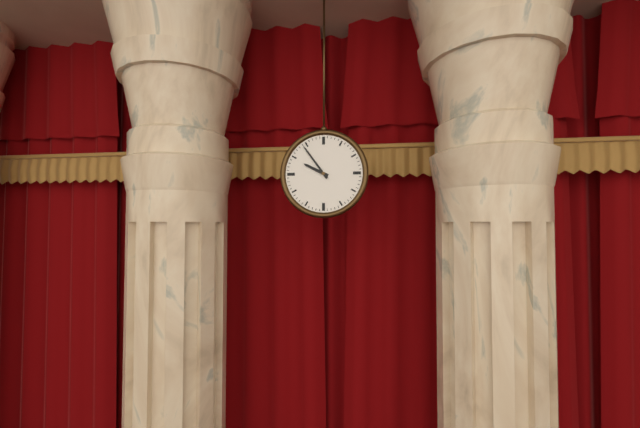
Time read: **9:54**
